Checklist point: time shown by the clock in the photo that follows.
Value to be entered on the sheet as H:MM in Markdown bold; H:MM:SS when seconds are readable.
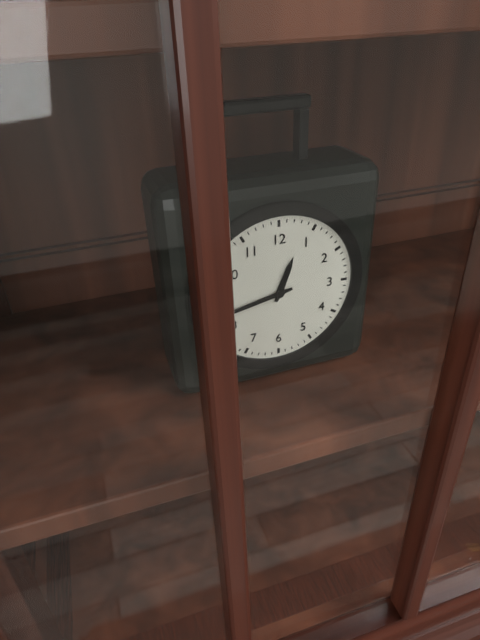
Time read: **12:43**
